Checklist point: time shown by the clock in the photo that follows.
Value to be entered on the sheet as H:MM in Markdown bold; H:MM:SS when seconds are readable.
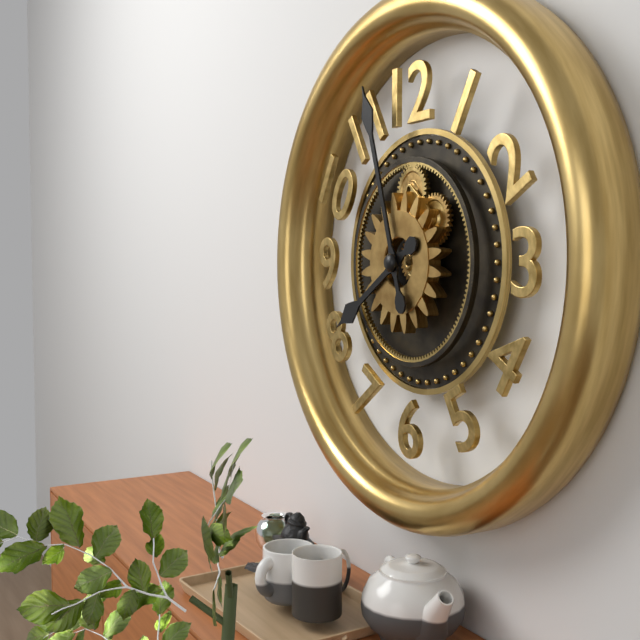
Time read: **7:57**
